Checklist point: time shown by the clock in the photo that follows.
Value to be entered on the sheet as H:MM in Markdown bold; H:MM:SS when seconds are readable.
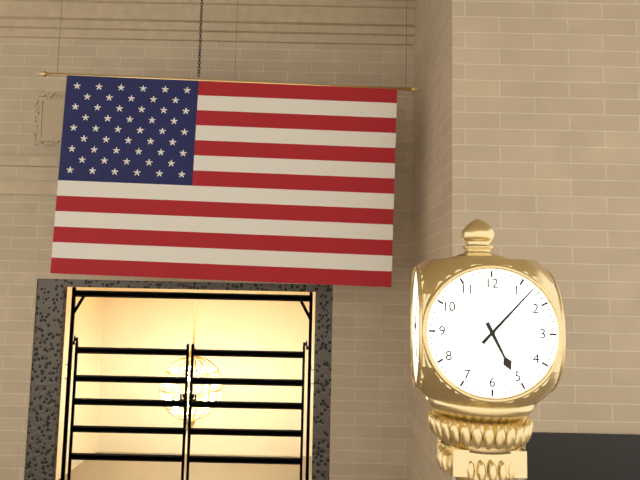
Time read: **5:07**
